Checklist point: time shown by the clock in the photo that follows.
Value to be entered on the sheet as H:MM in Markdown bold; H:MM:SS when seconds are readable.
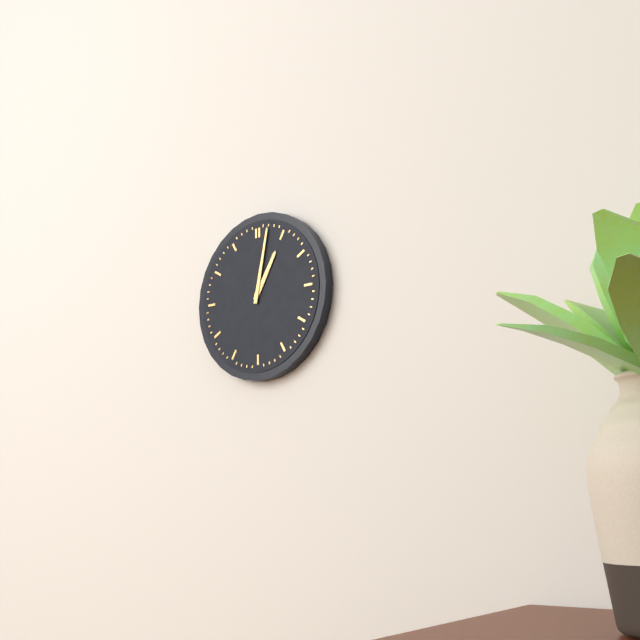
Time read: **1:02**
